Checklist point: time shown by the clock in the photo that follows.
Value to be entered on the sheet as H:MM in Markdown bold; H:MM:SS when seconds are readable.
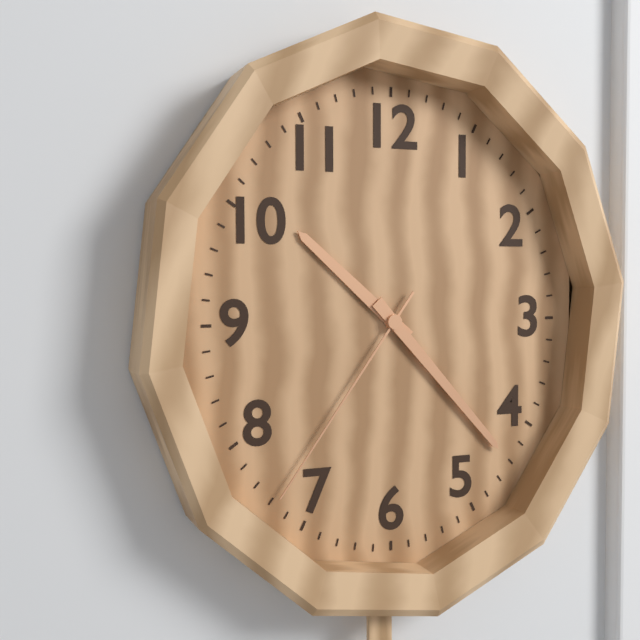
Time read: **10:23:36**
